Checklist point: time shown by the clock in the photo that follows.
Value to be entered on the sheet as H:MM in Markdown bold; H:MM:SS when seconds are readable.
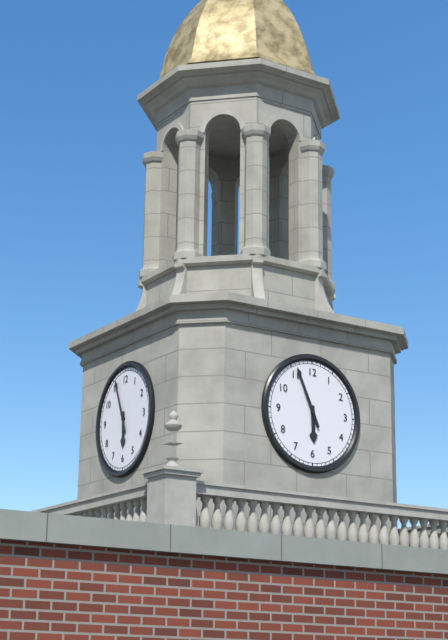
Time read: **5:56**
